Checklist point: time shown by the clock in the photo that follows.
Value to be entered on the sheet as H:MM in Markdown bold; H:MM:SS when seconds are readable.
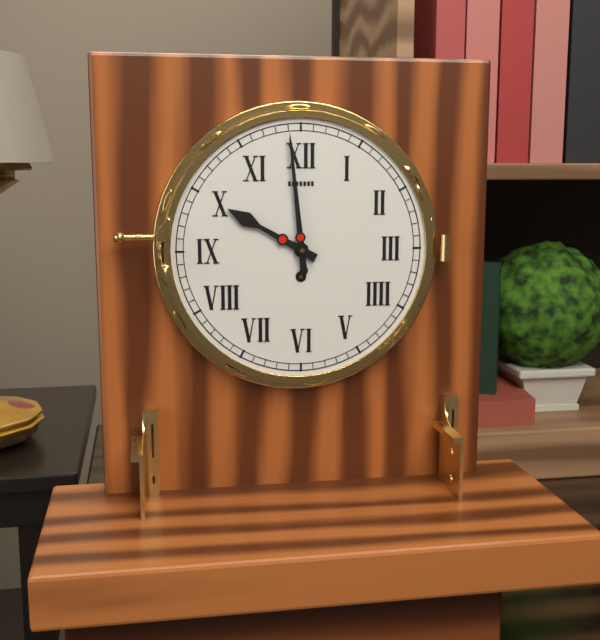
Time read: **9:59**
